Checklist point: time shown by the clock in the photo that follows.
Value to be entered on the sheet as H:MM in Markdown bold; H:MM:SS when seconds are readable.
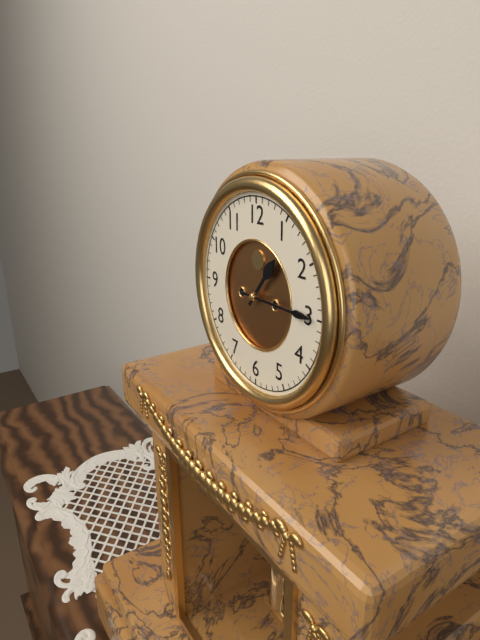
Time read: **1:15**
